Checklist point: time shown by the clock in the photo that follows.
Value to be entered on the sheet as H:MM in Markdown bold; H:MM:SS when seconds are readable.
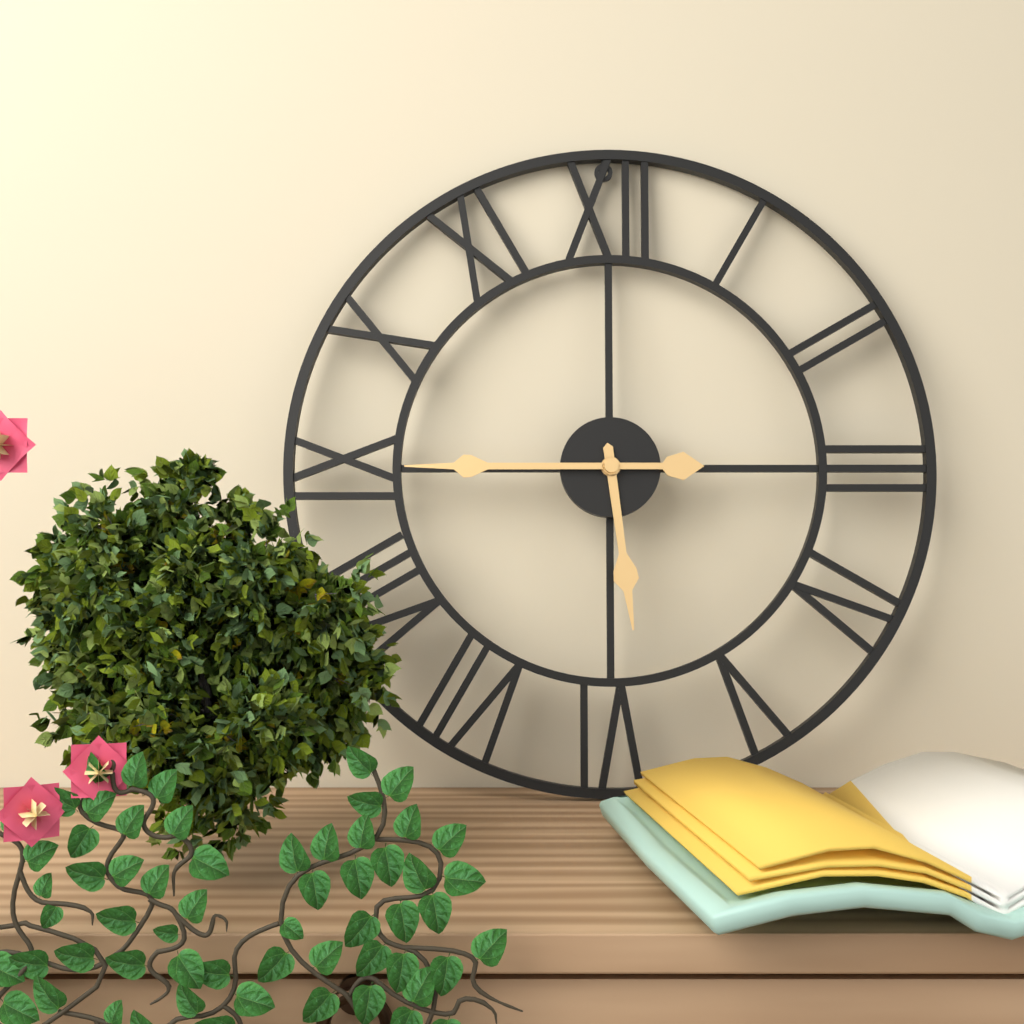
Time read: **5:45**
